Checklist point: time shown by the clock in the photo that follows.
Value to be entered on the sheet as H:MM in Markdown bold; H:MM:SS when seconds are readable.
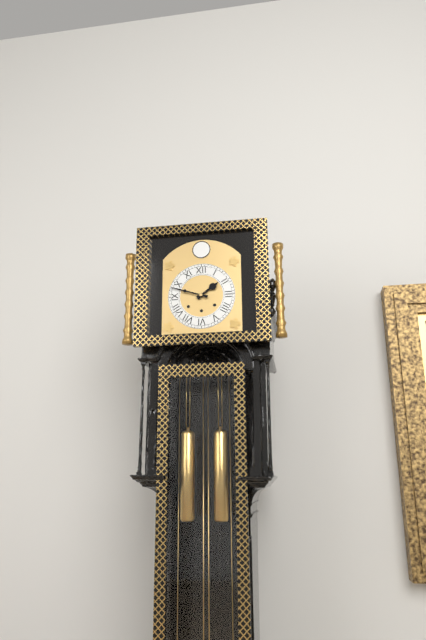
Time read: **1:48**
